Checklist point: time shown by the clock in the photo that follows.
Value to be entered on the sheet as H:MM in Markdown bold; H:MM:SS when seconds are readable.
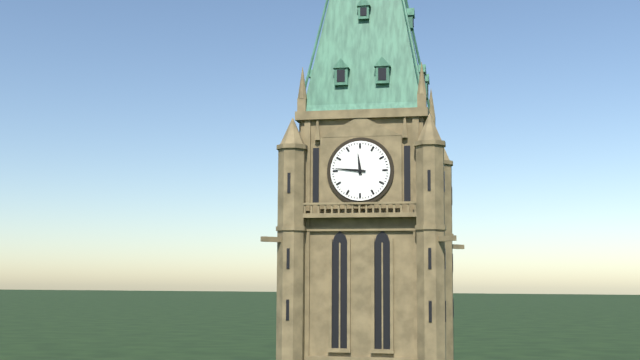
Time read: **11:46**
